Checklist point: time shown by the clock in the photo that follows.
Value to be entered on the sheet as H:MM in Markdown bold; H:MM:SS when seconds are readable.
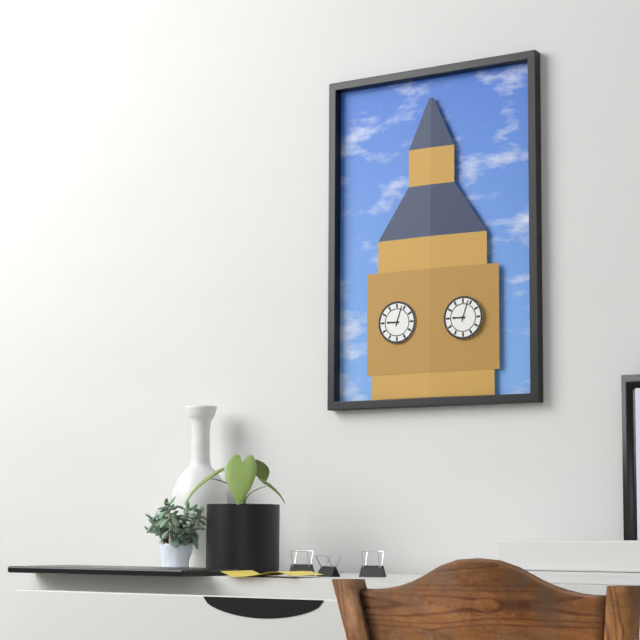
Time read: **9:03**
